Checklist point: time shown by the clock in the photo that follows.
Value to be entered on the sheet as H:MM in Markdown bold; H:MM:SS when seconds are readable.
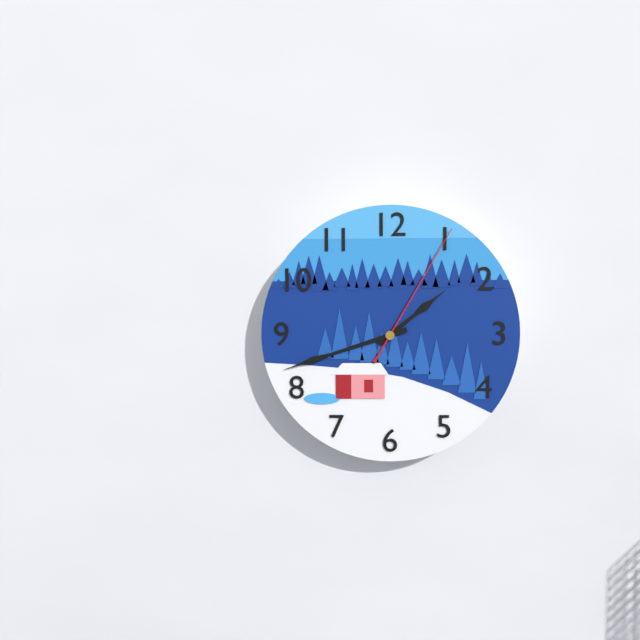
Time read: **1:42:05**
